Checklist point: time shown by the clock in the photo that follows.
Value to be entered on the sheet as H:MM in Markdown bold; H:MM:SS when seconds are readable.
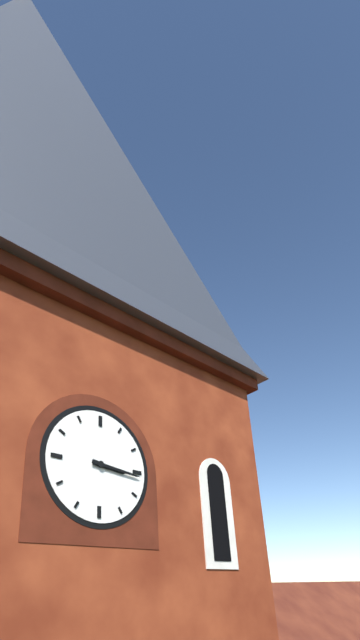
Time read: **3:16**
